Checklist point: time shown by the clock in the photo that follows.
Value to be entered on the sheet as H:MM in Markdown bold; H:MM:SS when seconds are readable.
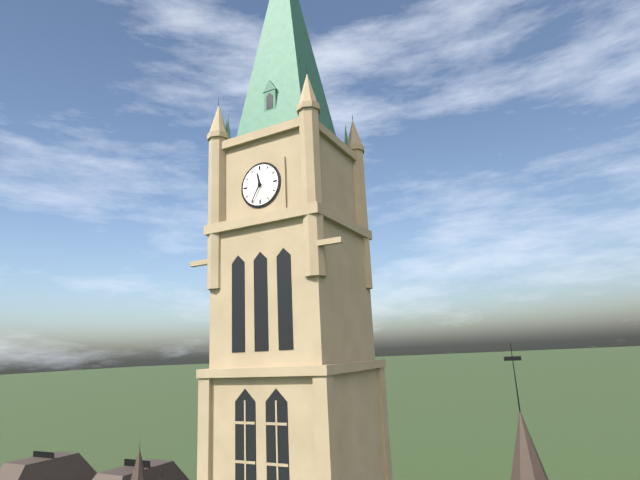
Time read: **11:35**
